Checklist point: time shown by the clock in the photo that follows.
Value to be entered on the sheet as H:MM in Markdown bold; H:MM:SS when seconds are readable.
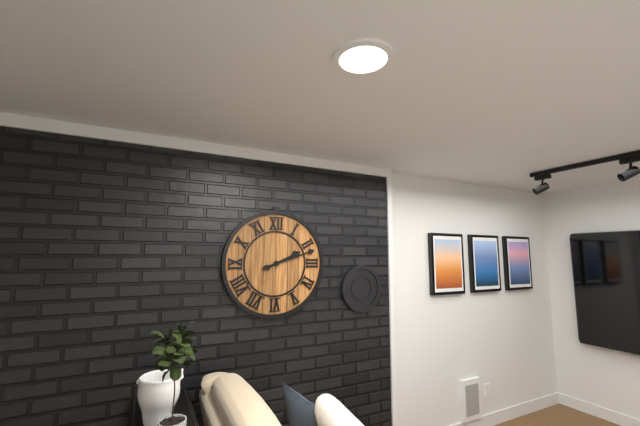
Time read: **2:12**
